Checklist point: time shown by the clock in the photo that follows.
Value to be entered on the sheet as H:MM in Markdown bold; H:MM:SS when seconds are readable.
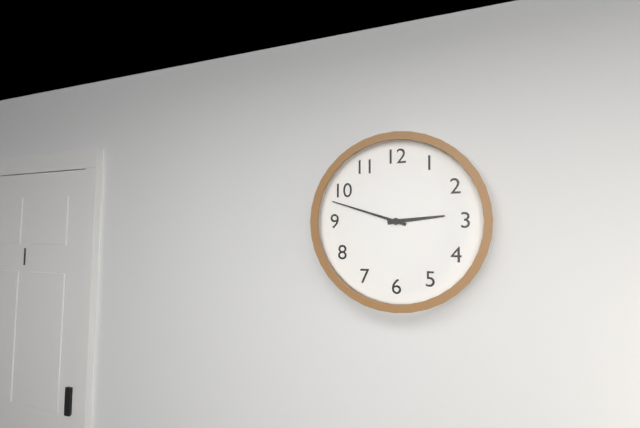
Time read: **2:48**
